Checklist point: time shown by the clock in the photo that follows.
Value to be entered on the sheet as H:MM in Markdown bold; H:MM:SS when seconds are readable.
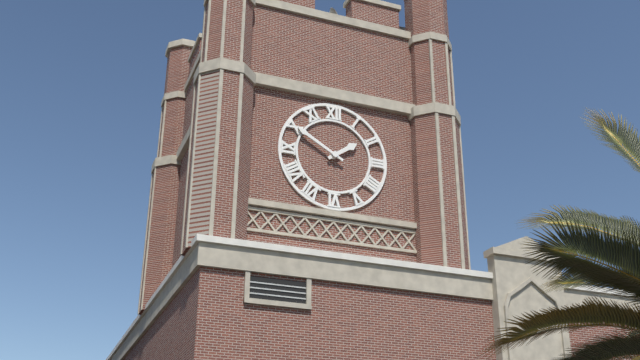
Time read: **1:50**
